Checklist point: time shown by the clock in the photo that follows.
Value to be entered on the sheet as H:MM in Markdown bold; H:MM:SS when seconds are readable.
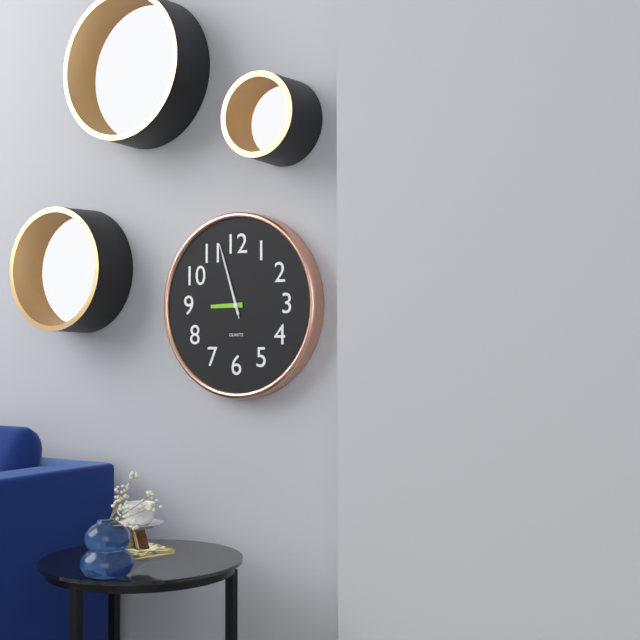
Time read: **8:57:57**
